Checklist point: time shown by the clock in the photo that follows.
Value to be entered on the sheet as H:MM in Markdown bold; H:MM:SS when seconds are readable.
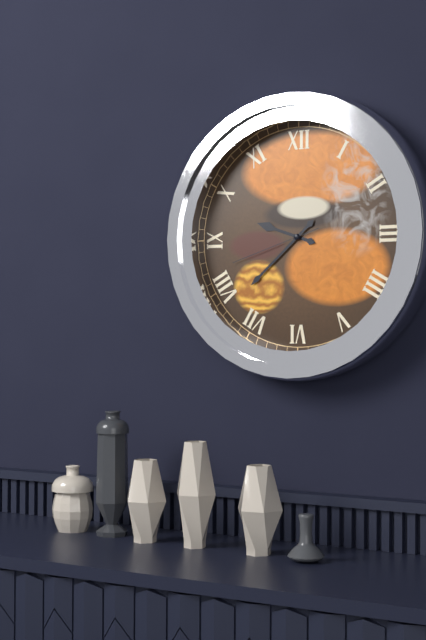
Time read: **9:38:42**
